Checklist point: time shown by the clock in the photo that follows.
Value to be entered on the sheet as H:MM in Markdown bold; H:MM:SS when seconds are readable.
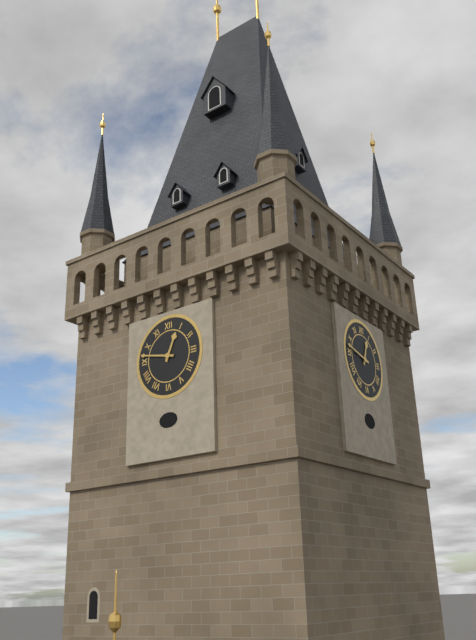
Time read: **12:47**
